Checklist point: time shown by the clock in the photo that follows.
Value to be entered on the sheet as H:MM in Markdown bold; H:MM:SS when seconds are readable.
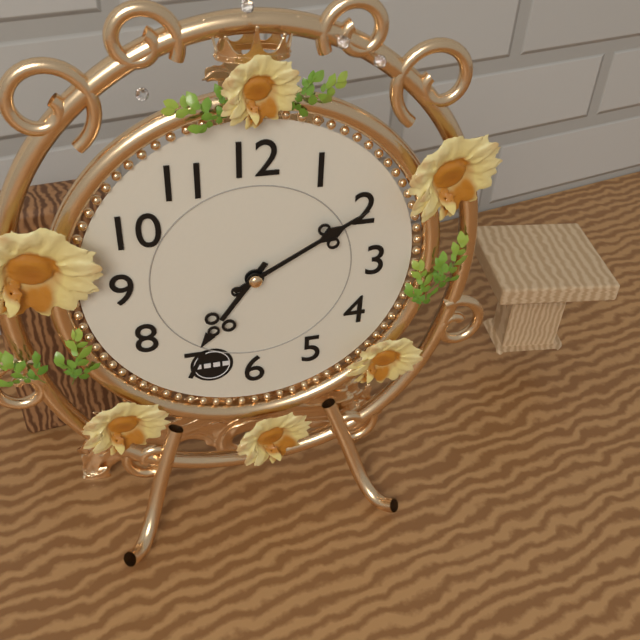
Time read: **7:10**
